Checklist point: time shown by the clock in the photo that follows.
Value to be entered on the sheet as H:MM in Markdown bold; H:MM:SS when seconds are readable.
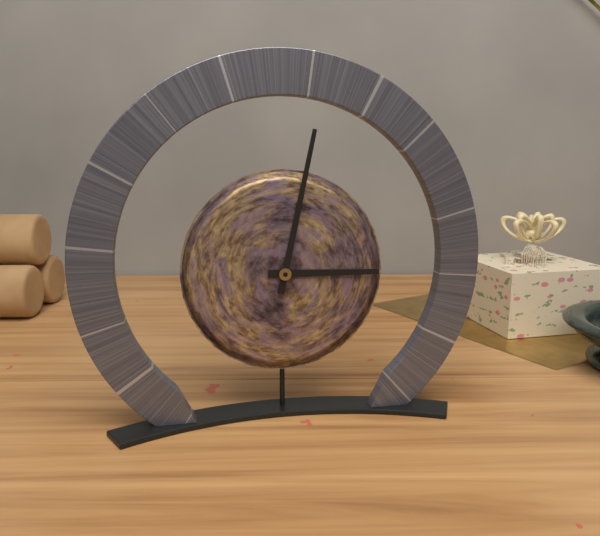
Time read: **3:02**
